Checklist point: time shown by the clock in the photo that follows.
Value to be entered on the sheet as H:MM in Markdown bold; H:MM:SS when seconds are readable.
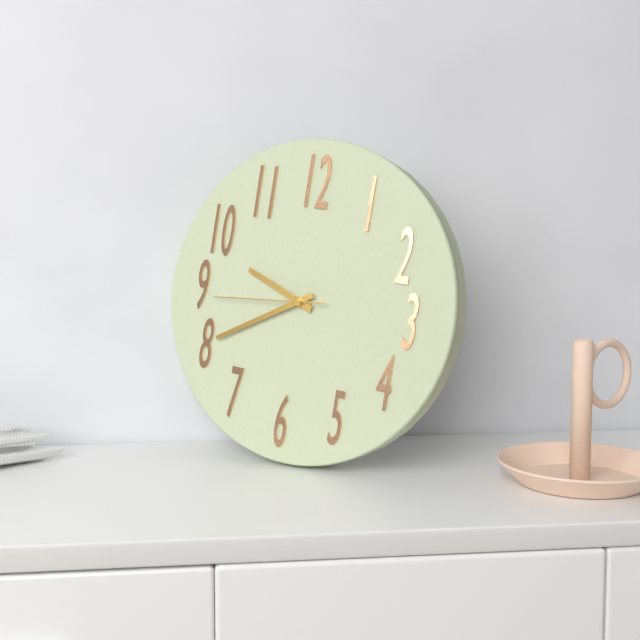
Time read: **9:40:44**
